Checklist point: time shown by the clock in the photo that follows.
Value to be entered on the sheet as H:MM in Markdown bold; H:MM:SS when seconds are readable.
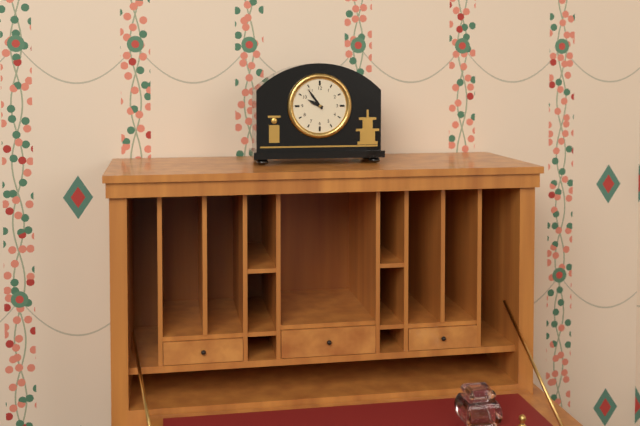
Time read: **9:54**
